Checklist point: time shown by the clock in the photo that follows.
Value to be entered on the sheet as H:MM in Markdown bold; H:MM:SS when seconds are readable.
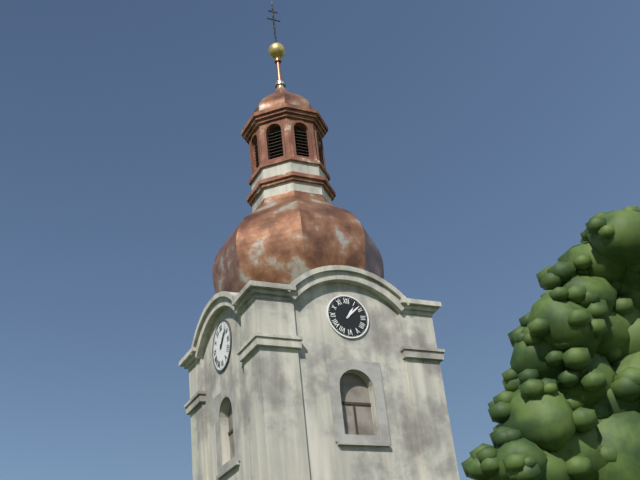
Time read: **1:08**
